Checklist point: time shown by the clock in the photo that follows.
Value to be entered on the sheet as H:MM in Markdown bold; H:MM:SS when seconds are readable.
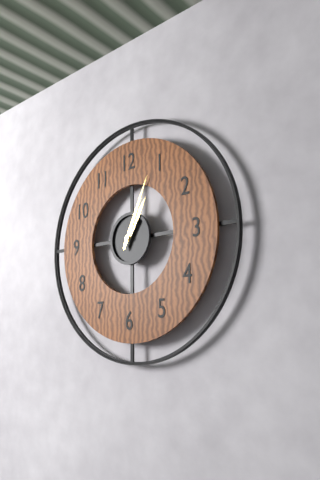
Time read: **1:04**
